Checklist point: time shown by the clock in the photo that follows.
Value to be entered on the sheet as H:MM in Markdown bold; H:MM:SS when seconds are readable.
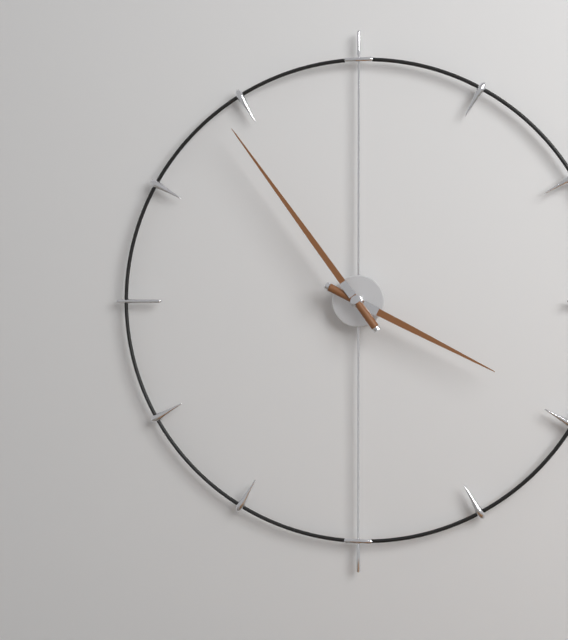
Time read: **3:54**
